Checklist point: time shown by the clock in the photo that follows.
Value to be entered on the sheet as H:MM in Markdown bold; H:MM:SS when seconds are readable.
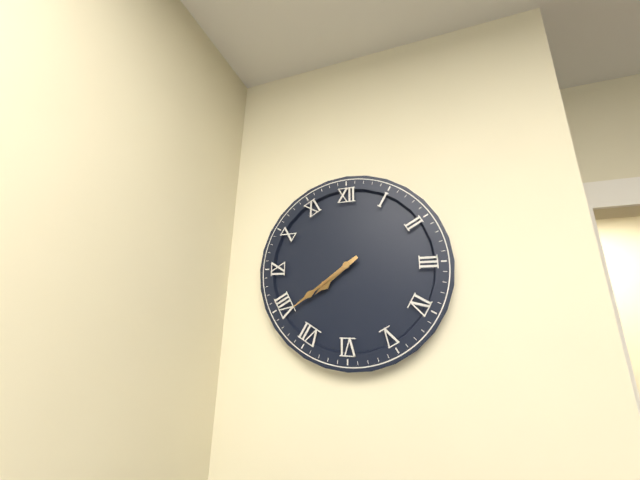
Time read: **7:39**
